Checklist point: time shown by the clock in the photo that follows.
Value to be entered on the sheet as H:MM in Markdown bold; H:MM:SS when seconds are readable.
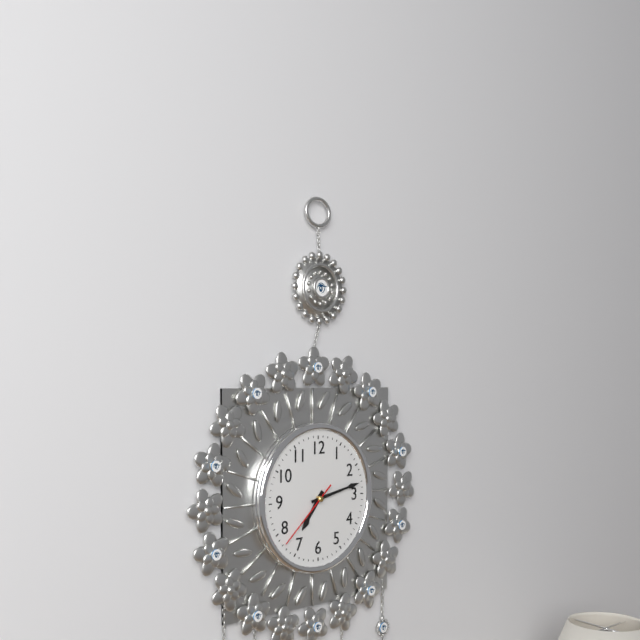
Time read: **7:13:38**
